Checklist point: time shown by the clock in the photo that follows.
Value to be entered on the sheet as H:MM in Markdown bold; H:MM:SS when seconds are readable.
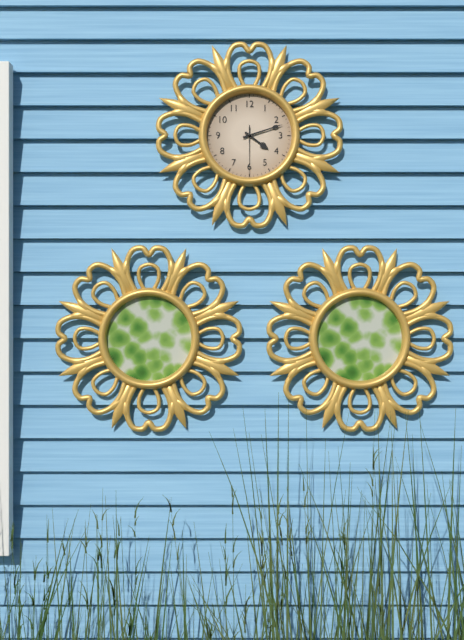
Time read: **4:12**
